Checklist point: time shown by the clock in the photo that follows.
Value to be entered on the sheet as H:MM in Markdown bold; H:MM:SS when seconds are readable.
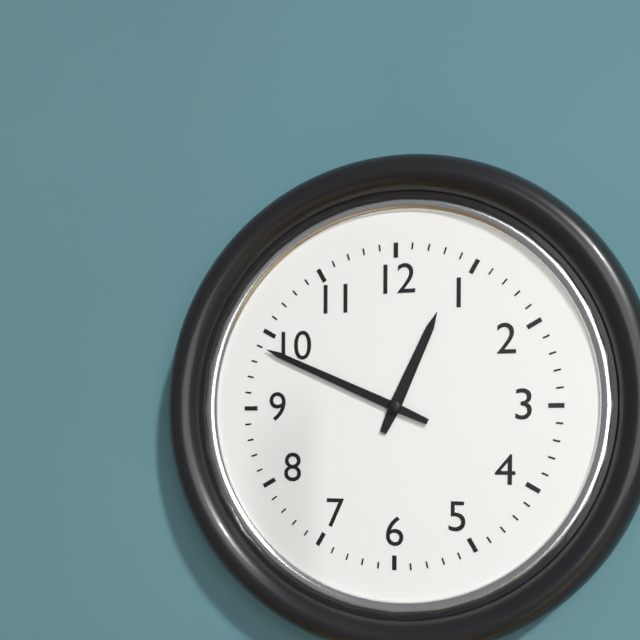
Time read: **12:49**
